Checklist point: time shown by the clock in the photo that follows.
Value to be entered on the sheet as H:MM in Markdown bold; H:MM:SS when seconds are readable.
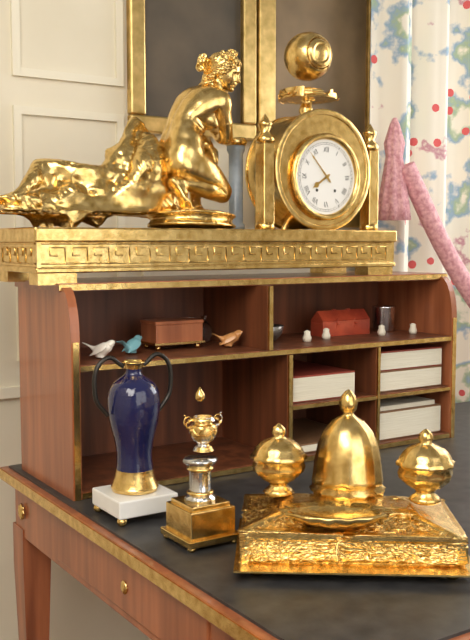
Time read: **7:53**
